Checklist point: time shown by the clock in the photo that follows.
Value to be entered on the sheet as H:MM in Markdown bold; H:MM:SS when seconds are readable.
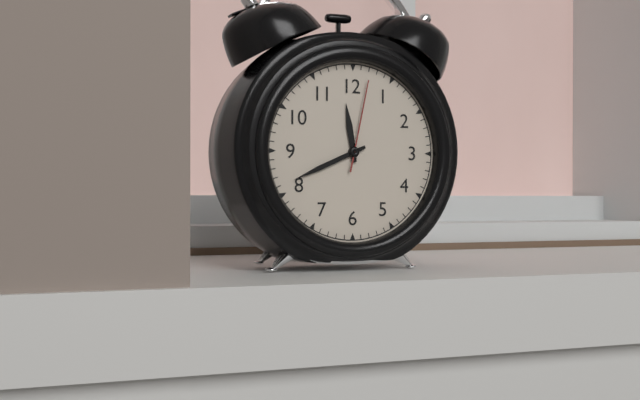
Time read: **11:41:02**
